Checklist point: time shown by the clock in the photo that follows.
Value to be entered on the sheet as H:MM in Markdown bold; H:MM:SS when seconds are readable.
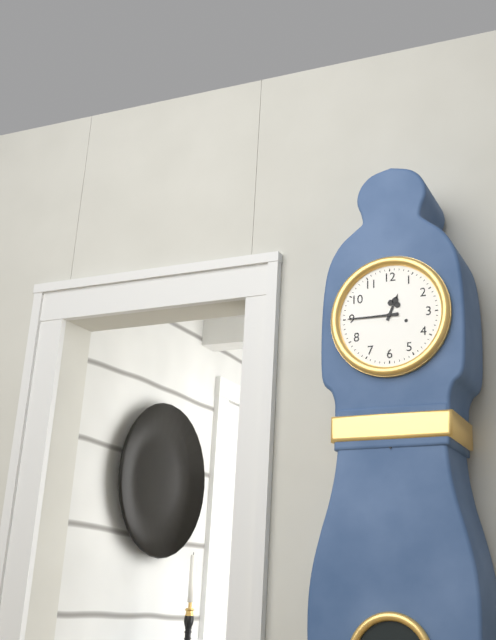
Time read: **12:45**
